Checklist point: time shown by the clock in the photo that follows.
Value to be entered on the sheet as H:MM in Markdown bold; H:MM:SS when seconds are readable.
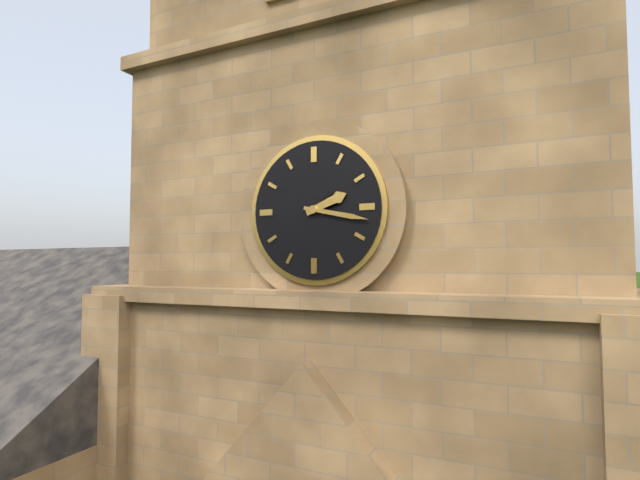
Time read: **2:17**
